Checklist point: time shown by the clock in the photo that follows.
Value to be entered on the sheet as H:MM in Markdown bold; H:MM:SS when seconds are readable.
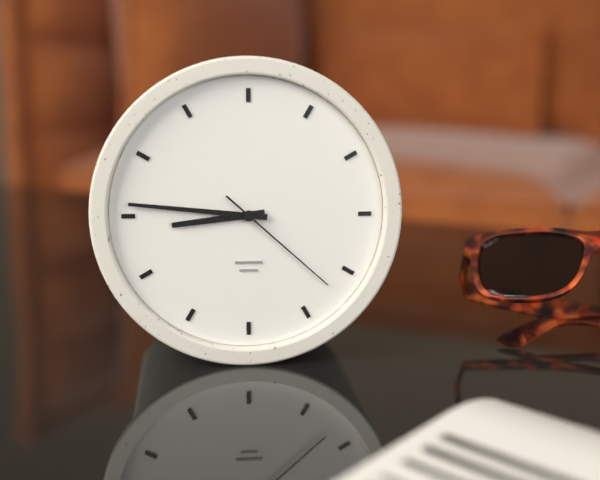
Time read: **8:46:22**
